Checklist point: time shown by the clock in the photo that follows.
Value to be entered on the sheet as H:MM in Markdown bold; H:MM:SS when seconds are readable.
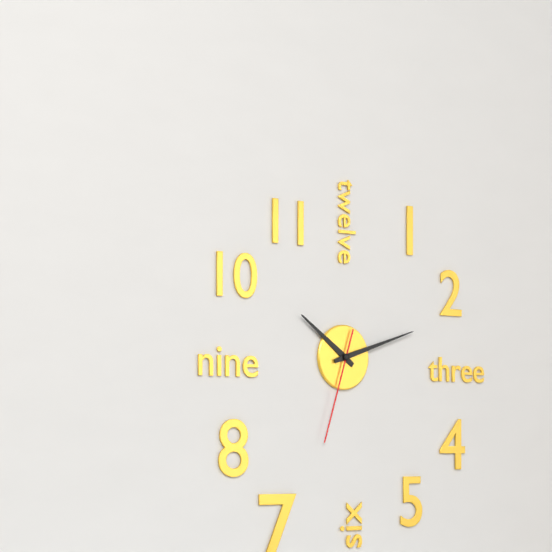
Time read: **10:12:33**
